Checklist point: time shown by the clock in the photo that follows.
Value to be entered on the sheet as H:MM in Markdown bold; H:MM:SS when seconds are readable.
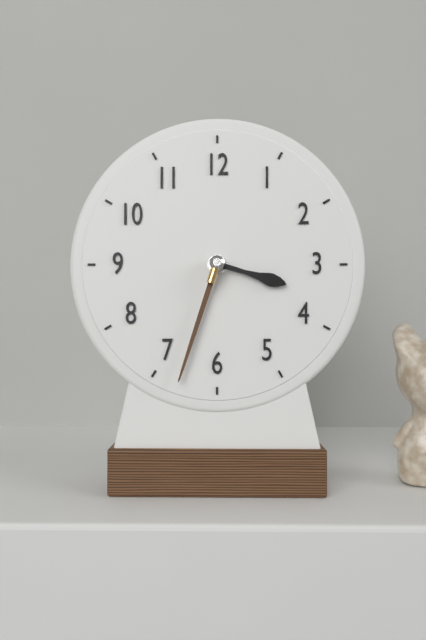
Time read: **3:33**
